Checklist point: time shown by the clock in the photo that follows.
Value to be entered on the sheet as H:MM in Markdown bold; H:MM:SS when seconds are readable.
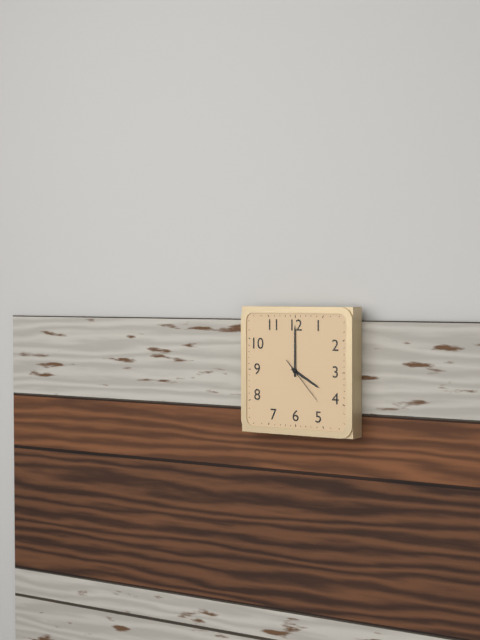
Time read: **4:00**
